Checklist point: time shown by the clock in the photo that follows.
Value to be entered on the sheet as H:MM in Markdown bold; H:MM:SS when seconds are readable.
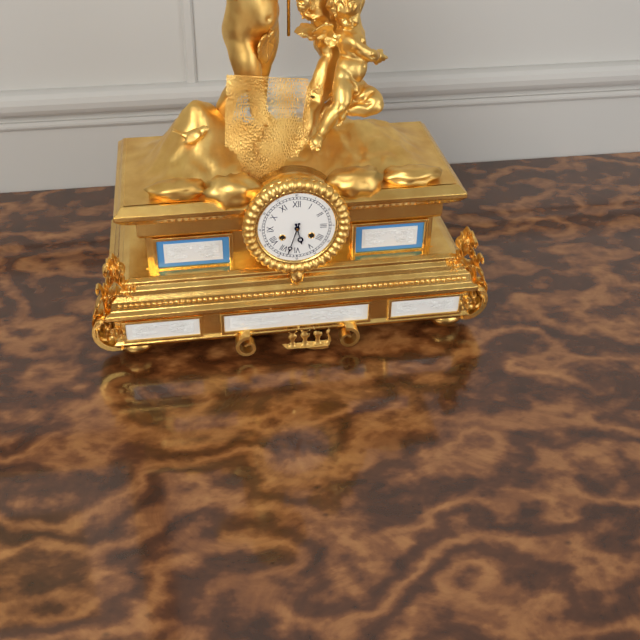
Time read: **5:33**
